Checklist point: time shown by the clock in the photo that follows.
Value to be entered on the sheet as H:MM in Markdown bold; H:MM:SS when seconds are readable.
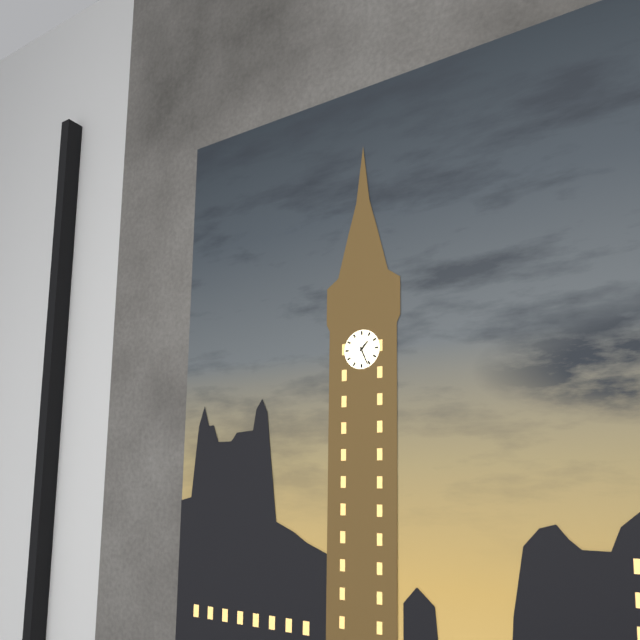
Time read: **1:26**
